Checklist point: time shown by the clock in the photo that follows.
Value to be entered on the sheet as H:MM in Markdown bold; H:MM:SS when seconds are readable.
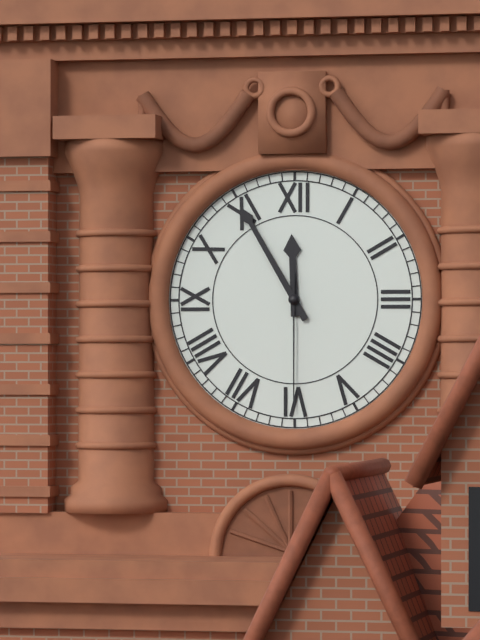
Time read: **11:55:30**
